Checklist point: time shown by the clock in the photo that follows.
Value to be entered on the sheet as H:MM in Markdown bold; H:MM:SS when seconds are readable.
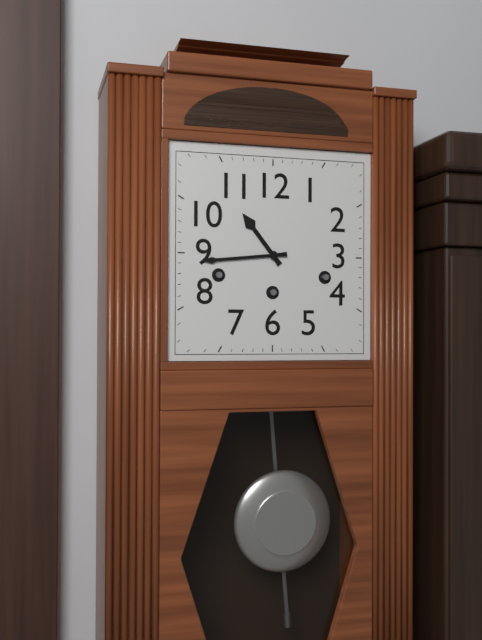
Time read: **10:44**
